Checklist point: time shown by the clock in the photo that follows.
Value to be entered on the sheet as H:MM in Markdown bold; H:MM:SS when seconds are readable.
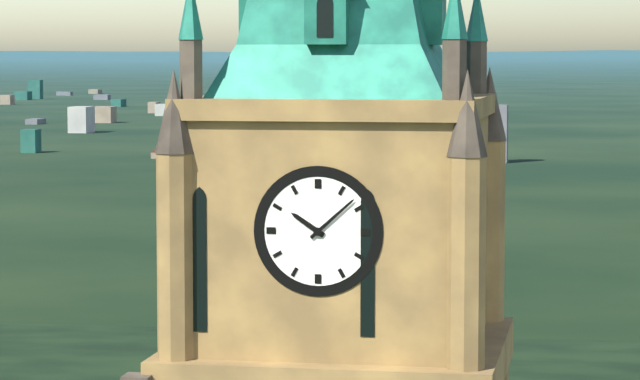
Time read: **10:08**
